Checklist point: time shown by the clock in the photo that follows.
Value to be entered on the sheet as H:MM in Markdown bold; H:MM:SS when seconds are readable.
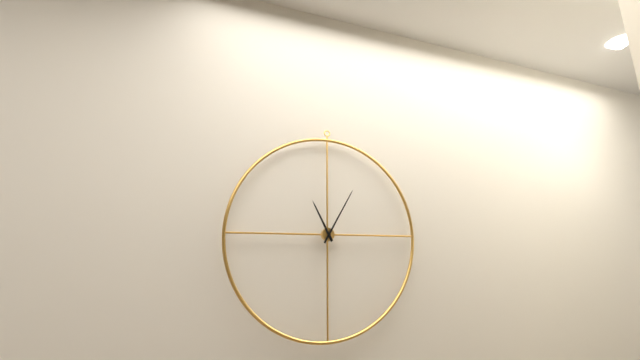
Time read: **11:05**
